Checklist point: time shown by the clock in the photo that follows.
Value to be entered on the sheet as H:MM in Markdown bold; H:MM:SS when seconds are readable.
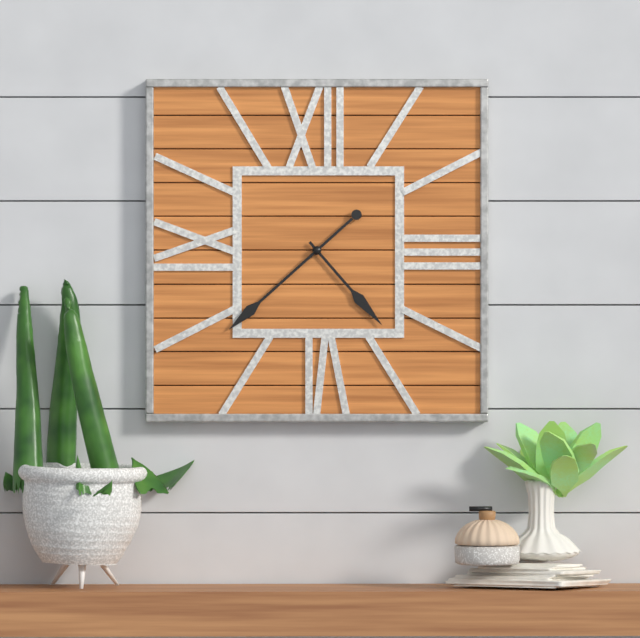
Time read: **4:38**
